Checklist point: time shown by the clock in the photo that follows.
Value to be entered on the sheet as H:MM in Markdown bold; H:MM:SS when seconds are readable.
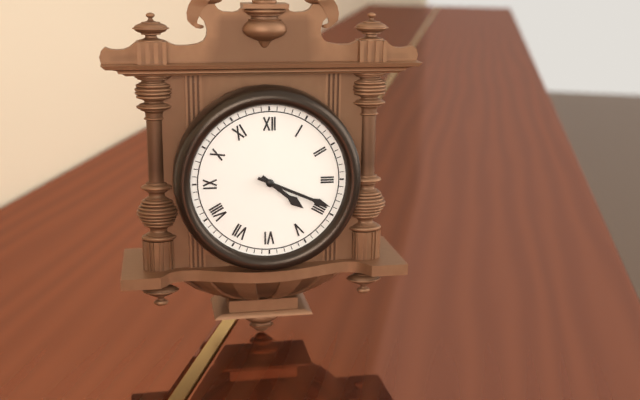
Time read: **4:19**
